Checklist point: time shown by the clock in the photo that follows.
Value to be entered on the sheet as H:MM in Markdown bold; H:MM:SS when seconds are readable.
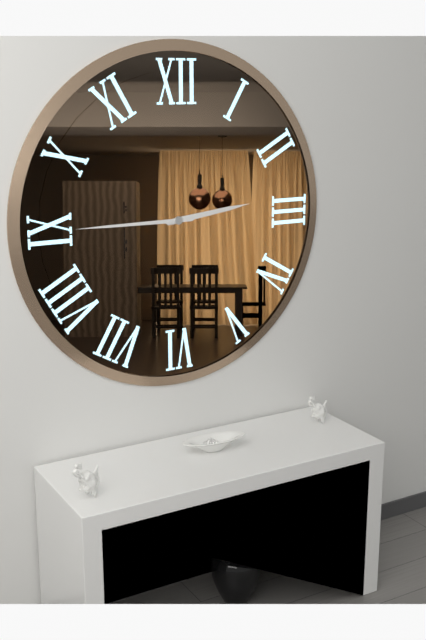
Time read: **2:45**
